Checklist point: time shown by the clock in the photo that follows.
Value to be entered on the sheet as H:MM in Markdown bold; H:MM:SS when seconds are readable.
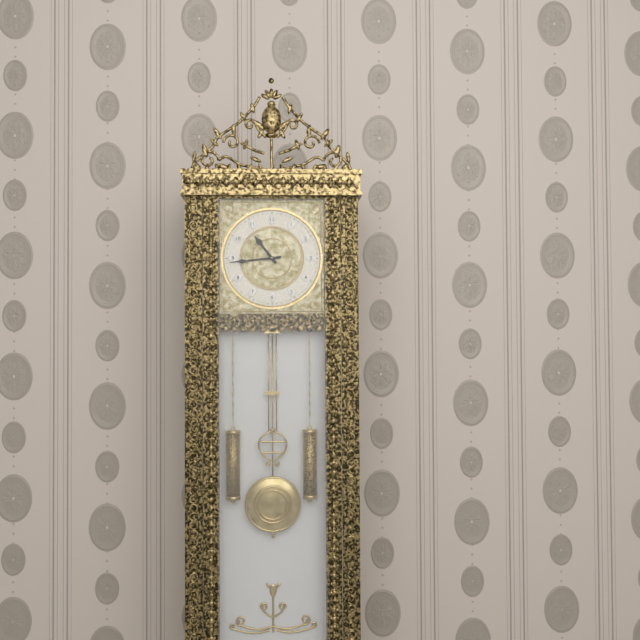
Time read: **10:44**
